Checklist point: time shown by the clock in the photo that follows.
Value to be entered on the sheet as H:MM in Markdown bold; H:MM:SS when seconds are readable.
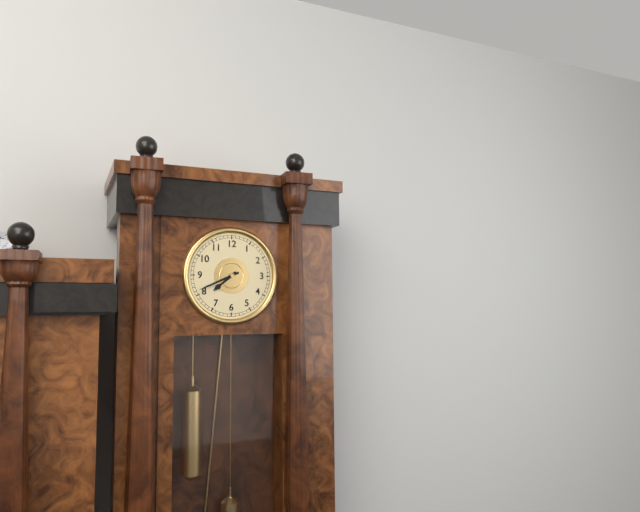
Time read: **7:41**
